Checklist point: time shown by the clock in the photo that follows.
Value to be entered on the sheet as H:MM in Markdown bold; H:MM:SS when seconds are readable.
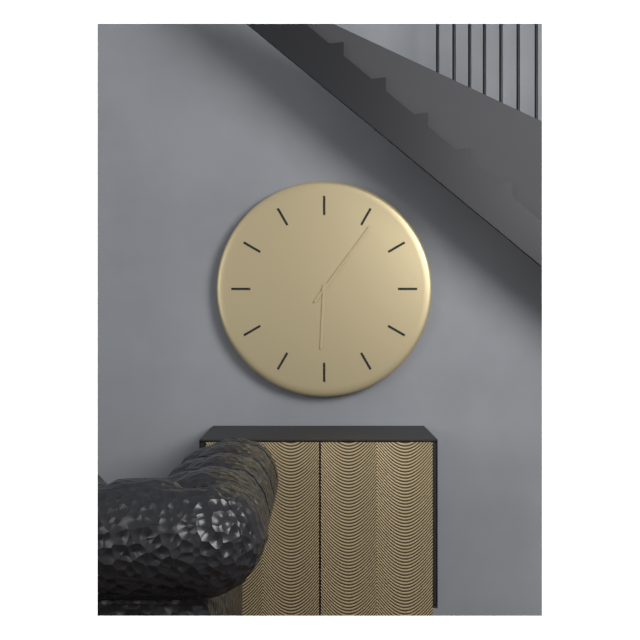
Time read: **6:06**
